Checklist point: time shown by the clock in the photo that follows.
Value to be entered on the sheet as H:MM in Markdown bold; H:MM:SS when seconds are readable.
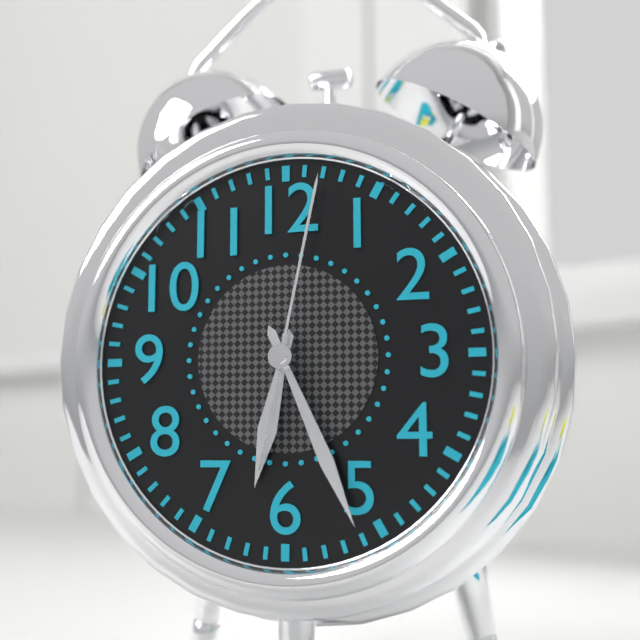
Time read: **6:26:02**
